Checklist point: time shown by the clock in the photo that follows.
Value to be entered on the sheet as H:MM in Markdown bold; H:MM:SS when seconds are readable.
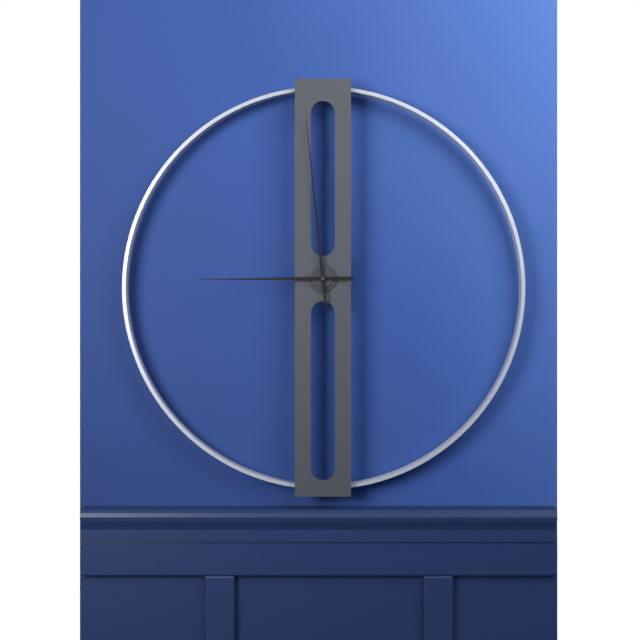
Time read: **8:59**
